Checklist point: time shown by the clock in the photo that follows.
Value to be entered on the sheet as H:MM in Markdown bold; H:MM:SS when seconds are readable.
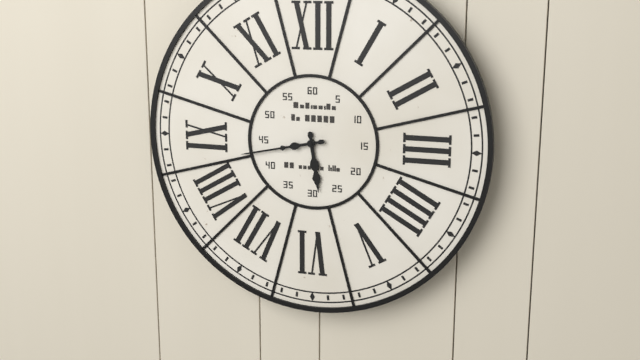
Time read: **5:43**
